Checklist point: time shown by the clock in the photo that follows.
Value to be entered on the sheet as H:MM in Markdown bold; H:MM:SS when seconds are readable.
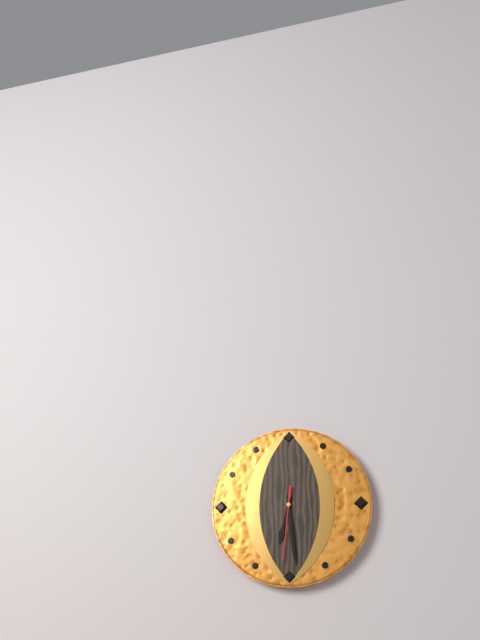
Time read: **6:29:31**
